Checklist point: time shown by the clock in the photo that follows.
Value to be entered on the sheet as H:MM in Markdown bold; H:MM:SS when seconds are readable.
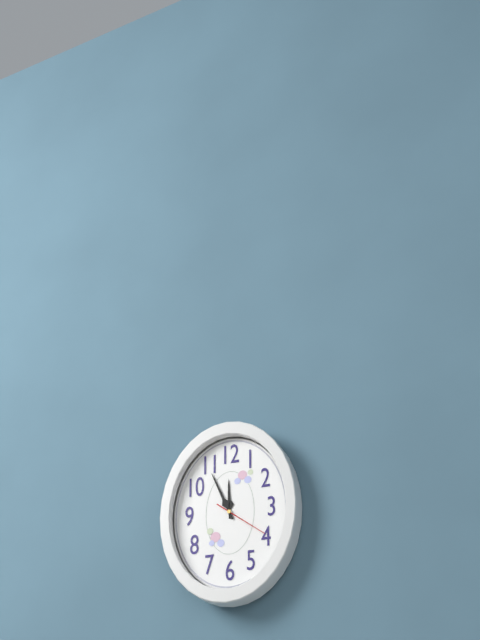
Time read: **11:56:21**
